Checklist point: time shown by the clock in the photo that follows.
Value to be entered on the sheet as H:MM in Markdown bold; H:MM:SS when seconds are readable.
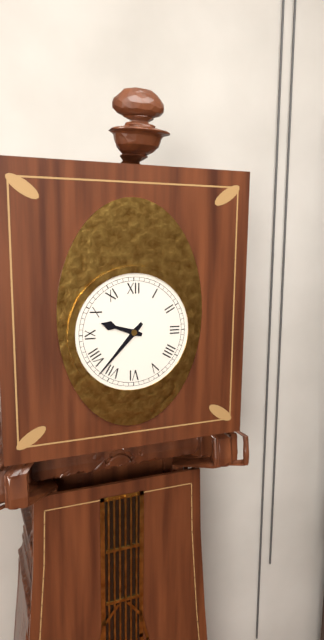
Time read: **9:37**
